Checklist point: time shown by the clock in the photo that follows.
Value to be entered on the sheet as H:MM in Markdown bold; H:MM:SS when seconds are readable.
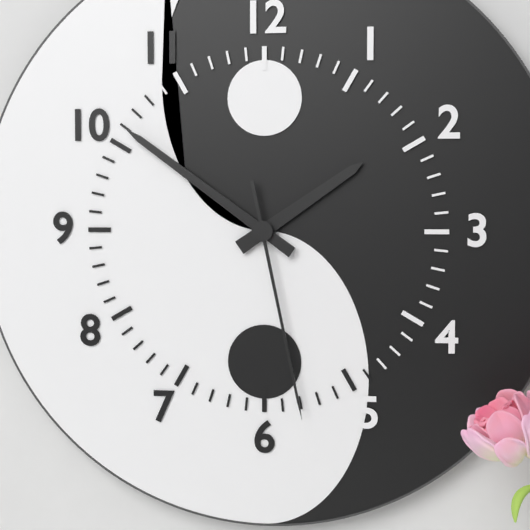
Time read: **1:51:28**
